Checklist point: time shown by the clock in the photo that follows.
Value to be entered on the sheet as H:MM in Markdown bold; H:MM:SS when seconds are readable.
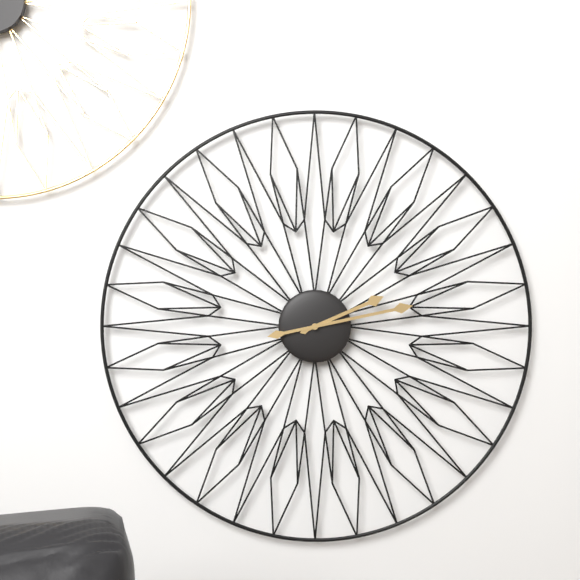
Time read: **2:13**
